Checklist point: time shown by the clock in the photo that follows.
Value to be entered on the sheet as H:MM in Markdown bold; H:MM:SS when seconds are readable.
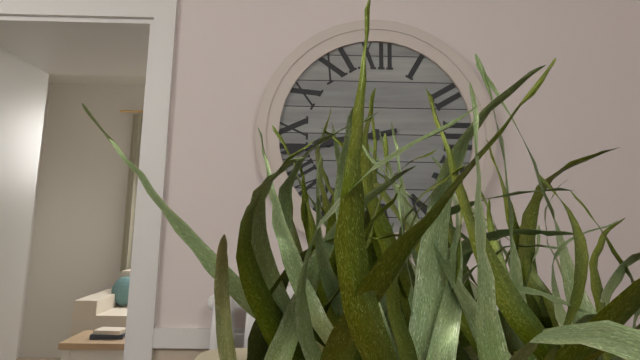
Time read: **8:43**
